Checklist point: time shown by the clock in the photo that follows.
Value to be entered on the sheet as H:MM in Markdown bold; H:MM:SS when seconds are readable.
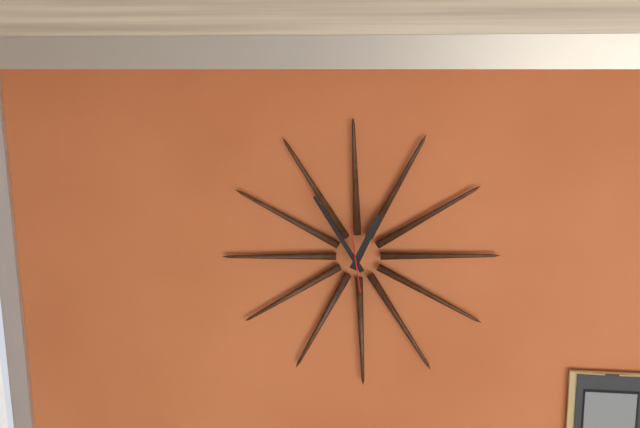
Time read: **12:55**
